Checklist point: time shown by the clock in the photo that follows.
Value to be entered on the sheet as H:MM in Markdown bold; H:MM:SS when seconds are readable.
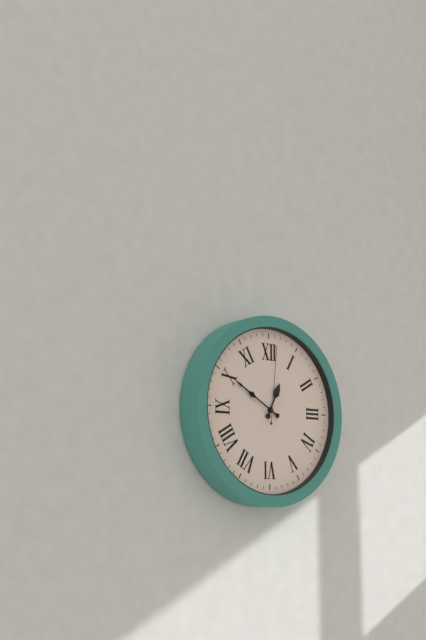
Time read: **12:50:01**
